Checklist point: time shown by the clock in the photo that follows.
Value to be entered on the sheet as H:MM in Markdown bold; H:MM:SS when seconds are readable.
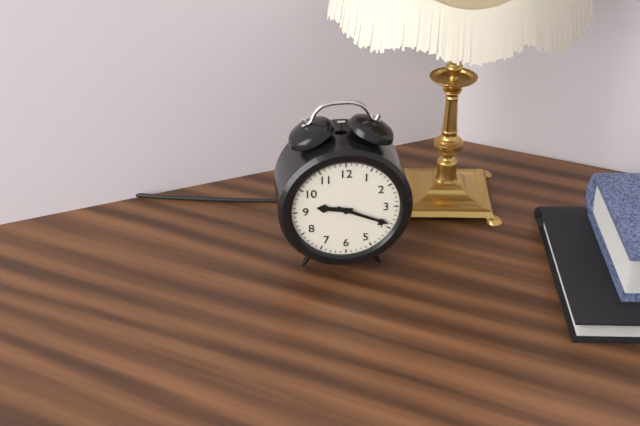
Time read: **9:19**
